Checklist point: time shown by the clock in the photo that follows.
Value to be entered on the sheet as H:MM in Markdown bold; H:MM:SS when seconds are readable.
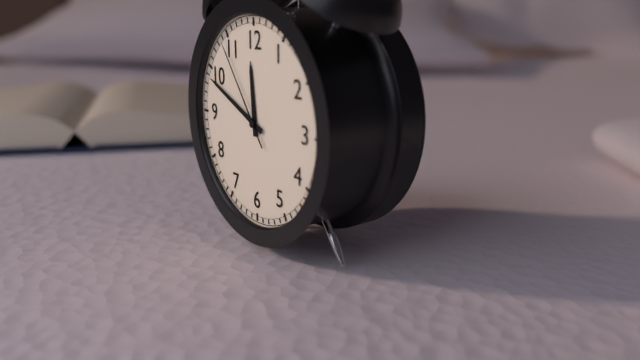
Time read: **11:49:54**
